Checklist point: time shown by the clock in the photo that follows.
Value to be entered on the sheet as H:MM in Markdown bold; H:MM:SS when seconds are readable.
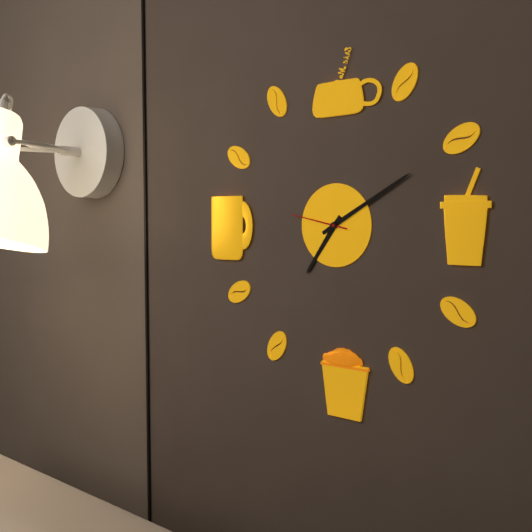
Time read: **7:10:47**
